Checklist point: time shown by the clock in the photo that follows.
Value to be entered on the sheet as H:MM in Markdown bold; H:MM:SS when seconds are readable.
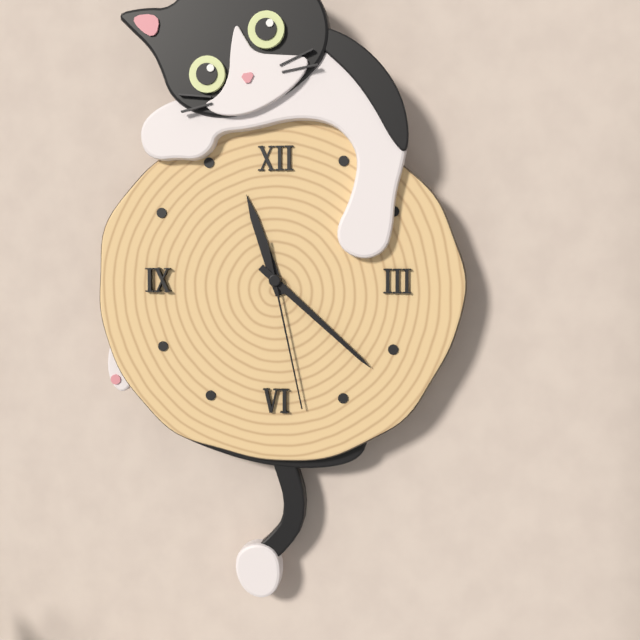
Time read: **11:22:28**
